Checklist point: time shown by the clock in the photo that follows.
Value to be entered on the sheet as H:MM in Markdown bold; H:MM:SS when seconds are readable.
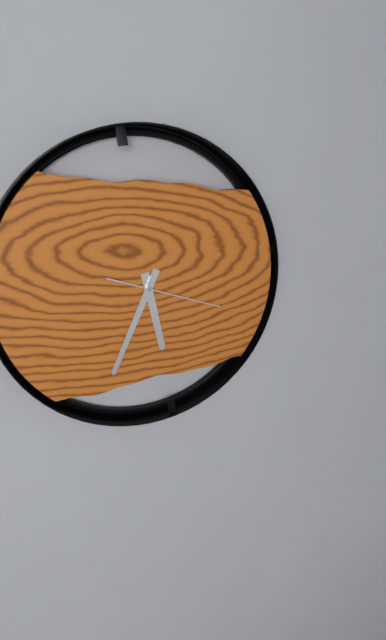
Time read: **5:34:18**
